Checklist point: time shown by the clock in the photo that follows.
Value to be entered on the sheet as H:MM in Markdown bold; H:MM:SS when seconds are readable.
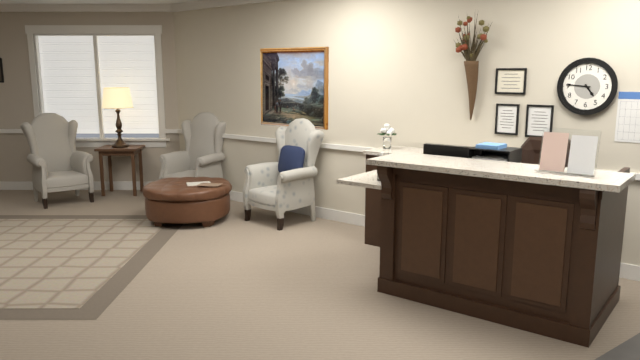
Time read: **4:46**
